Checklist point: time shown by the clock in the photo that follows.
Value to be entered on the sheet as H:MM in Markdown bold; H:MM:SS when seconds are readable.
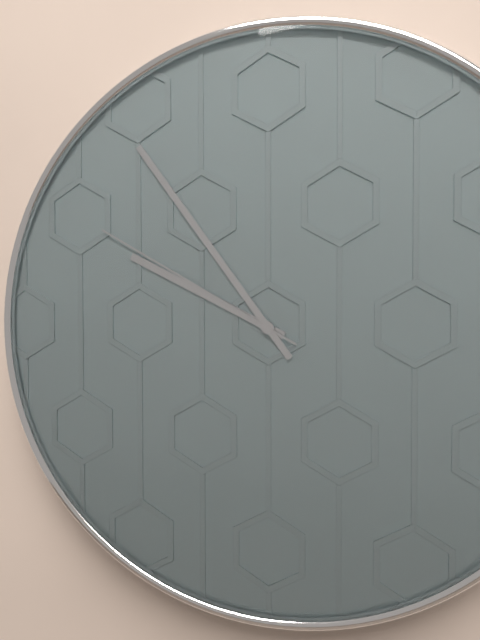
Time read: **9:54:50**
